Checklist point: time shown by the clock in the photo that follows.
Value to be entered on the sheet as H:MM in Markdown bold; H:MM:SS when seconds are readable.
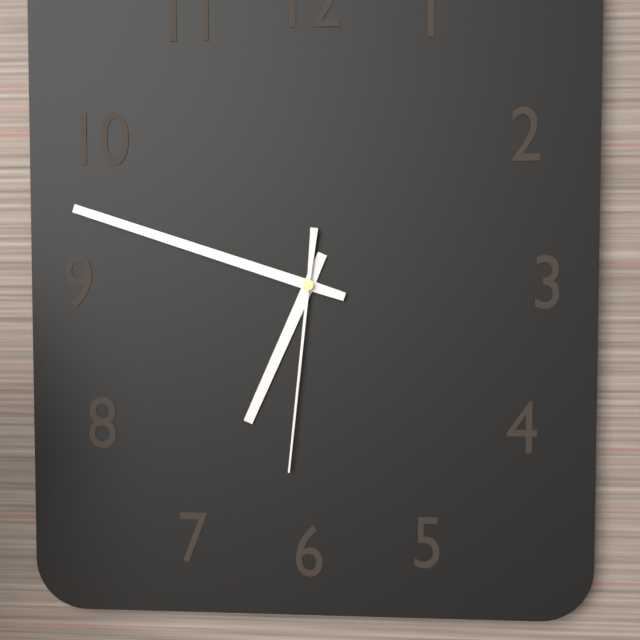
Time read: **6:48:31**
